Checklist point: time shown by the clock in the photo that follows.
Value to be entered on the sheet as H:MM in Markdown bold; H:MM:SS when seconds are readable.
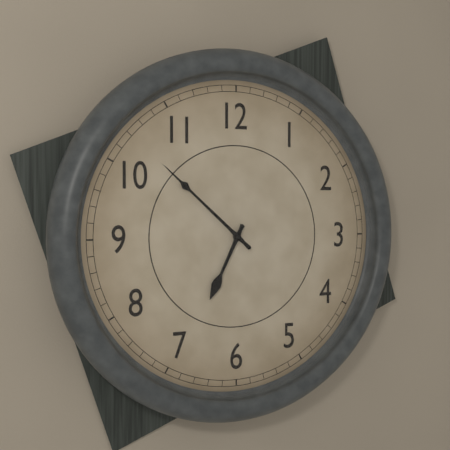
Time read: **6:52**
